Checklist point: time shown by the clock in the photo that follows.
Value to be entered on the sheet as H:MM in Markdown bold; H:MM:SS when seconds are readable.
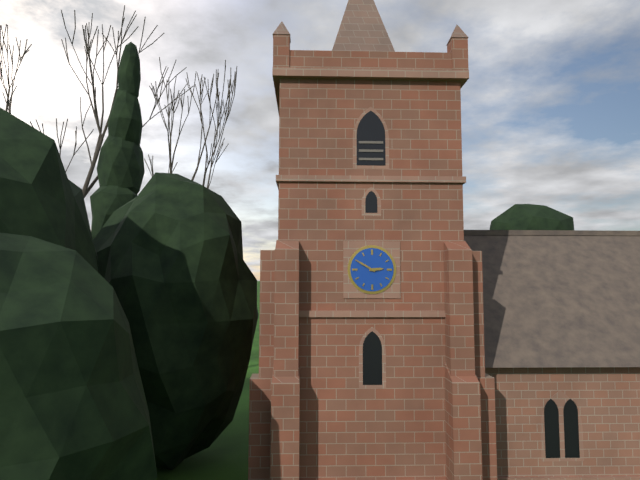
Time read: **2:50**
